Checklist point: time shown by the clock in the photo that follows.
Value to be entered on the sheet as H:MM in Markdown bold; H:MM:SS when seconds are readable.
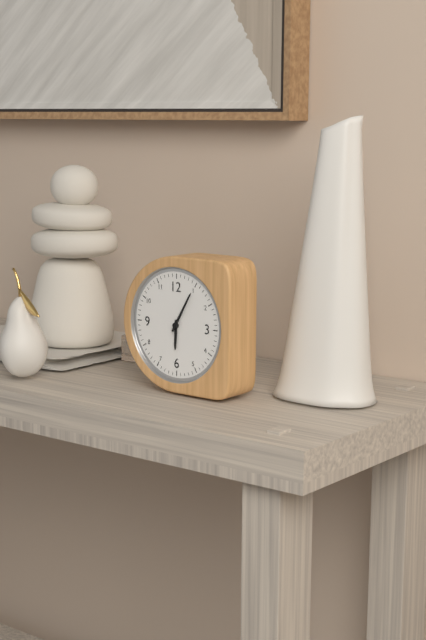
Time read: **6:05**
